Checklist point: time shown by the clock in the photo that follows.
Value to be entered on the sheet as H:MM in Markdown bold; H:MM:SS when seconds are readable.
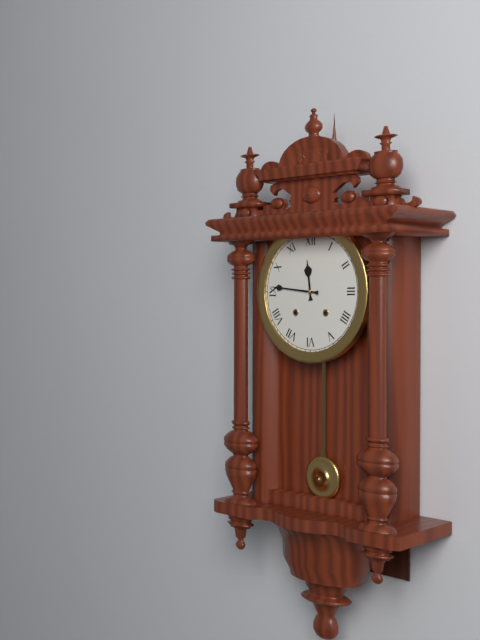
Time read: **11:46**
